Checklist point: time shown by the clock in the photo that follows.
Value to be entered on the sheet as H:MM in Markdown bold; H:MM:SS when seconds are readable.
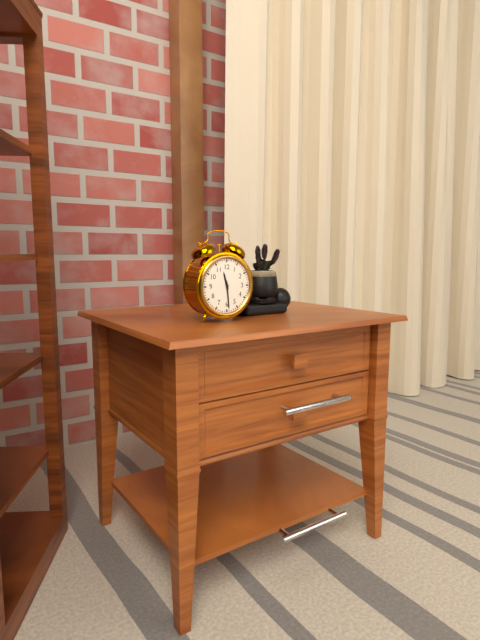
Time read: **11:29**
